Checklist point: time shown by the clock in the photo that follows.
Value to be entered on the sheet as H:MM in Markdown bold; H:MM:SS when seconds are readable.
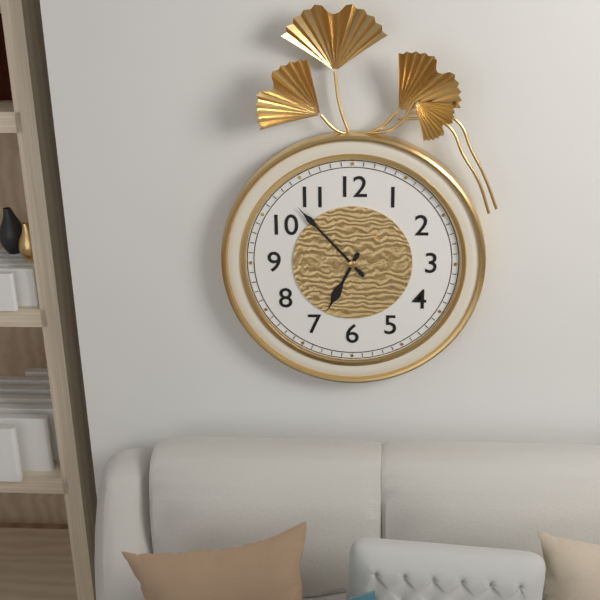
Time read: **6:53**
